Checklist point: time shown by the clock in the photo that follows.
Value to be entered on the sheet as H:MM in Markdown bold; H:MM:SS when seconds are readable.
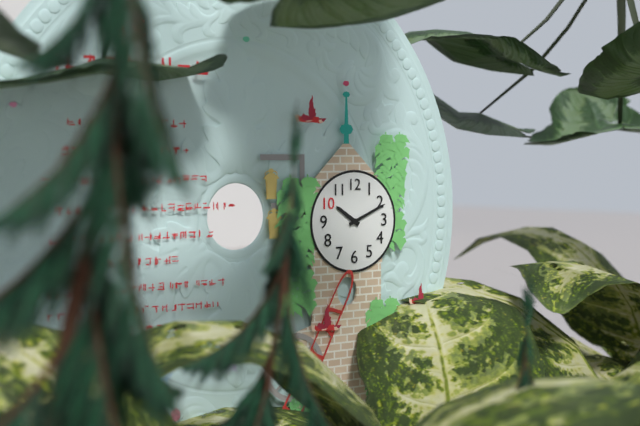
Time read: **10:11**
